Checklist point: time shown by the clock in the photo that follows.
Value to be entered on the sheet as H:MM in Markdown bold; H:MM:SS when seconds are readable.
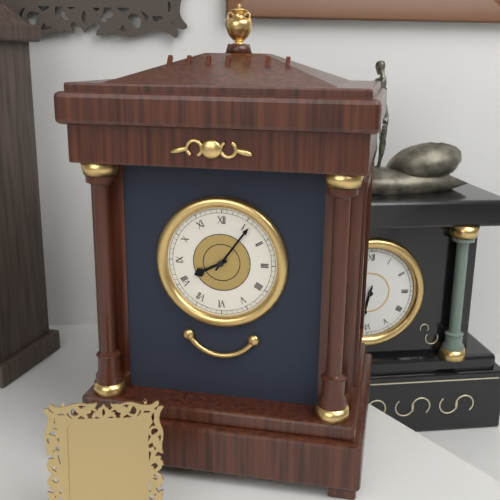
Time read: **8:06**
